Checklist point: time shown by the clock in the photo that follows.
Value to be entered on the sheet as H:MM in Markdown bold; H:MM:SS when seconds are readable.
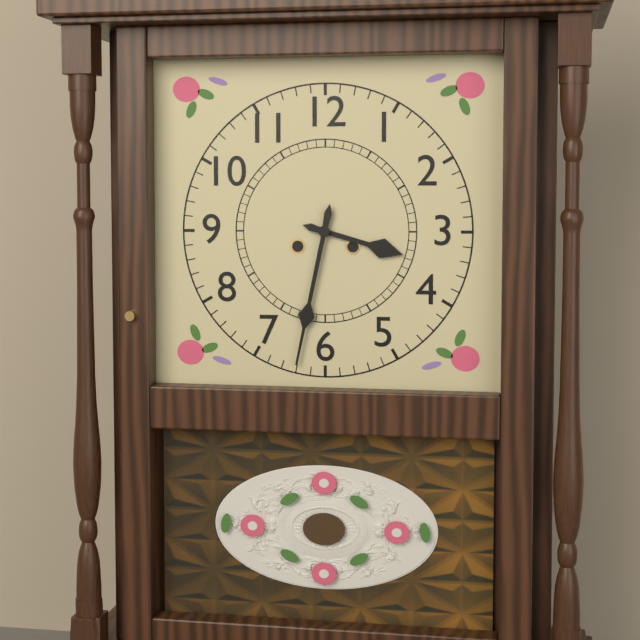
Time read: **3:32**
